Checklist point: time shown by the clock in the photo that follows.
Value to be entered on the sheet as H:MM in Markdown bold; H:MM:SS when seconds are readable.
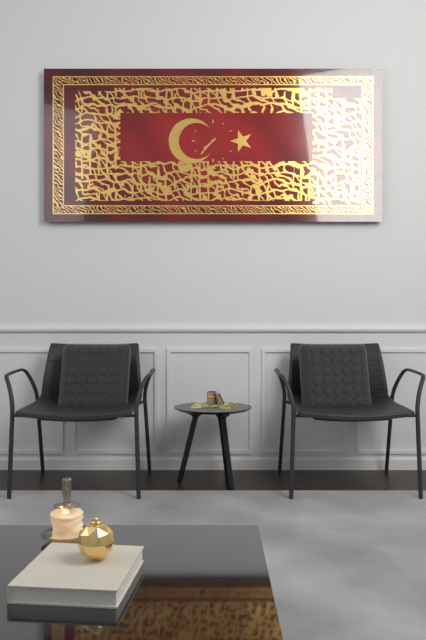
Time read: **7:37**
